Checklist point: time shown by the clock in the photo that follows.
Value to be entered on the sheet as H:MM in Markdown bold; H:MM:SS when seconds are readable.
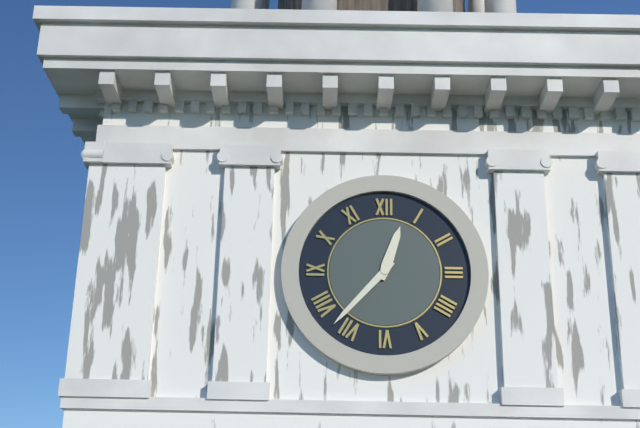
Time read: **12:37**
